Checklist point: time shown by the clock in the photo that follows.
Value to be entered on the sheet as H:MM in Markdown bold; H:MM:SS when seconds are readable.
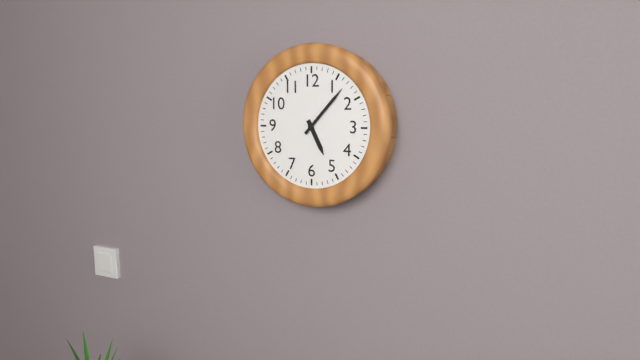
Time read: **5:07**
